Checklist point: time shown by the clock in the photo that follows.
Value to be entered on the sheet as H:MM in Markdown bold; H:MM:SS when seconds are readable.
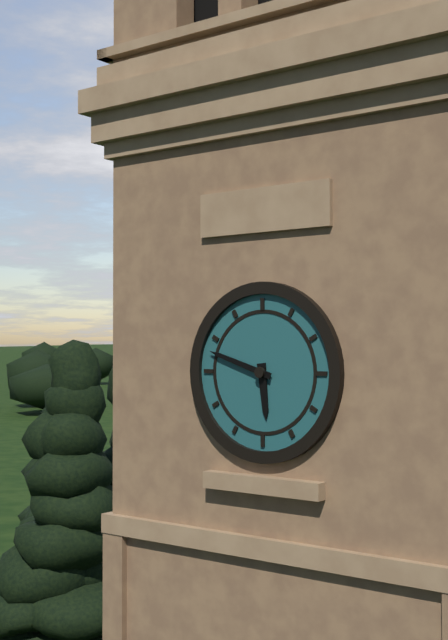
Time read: **5:48**
